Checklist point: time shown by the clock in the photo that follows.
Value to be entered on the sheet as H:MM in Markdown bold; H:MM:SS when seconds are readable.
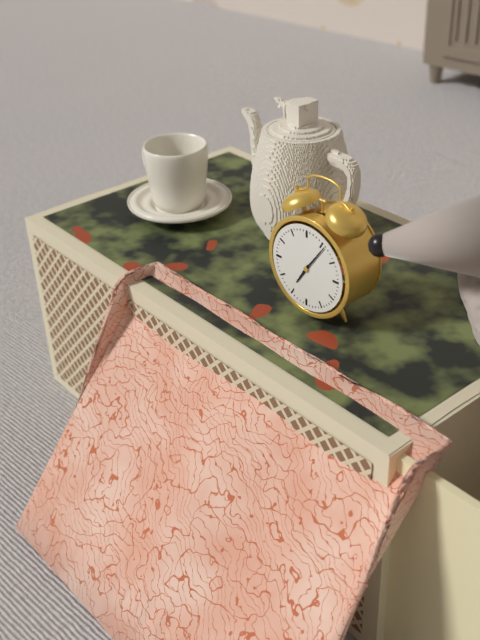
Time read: **7:06**
